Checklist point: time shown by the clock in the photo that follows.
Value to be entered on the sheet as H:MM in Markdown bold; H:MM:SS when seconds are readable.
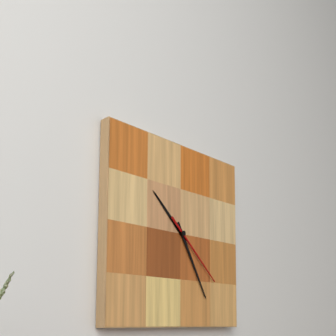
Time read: **10:25:22**
